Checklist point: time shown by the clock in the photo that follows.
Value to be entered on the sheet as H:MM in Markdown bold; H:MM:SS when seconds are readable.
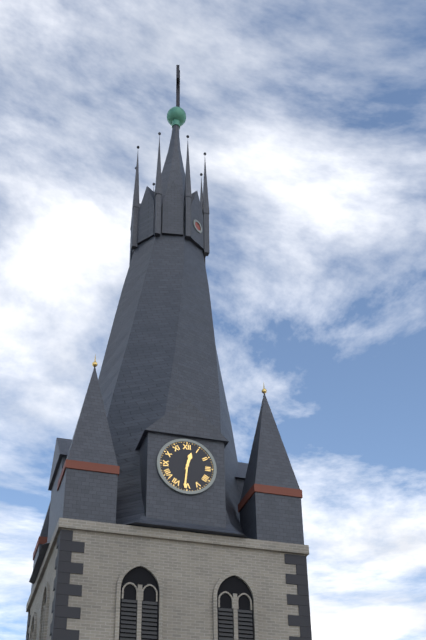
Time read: **12:31**
